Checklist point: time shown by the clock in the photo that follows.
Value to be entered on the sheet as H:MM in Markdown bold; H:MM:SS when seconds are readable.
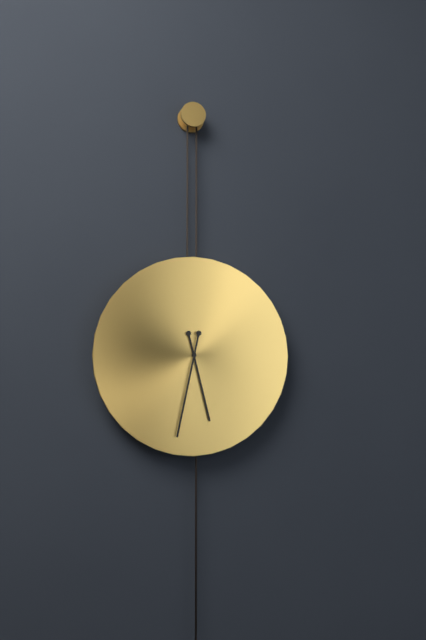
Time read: **5:32**
